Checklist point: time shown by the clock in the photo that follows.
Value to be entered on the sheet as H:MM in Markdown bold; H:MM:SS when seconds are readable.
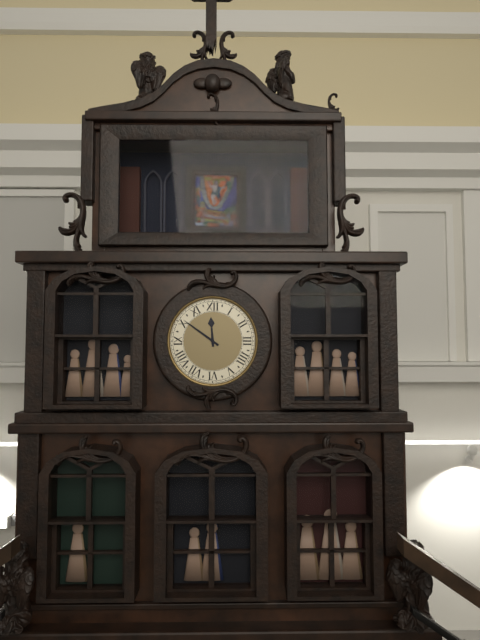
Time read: **11:51**
